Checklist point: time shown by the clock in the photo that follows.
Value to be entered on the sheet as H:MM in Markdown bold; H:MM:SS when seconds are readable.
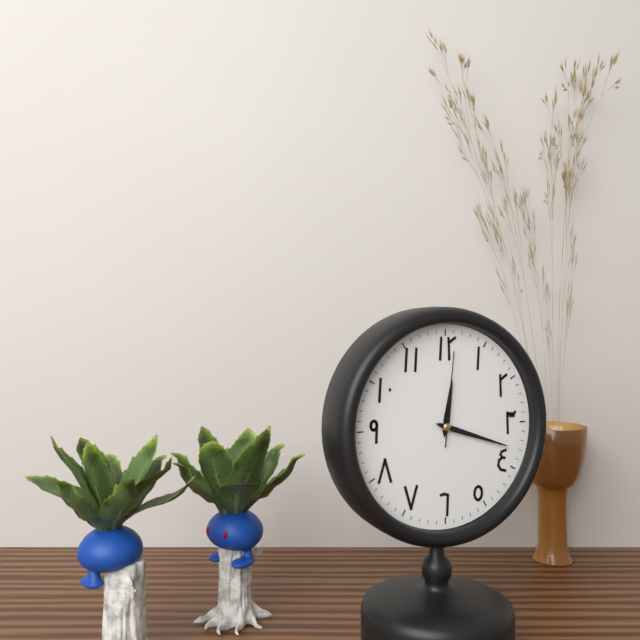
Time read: **12:18:01**
